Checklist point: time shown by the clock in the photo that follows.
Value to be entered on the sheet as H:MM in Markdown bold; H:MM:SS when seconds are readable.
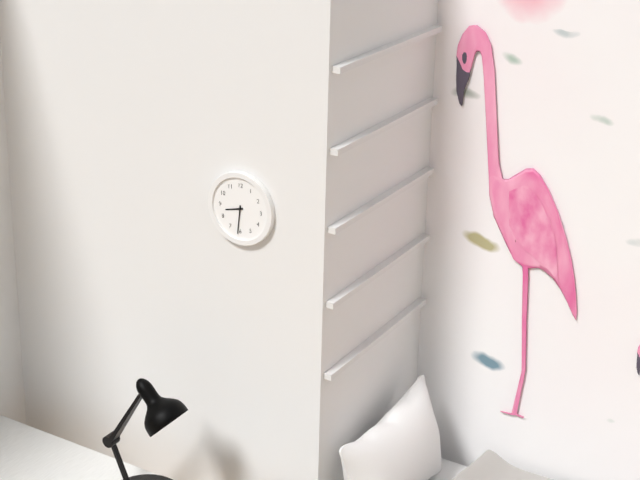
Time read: **8:31**
